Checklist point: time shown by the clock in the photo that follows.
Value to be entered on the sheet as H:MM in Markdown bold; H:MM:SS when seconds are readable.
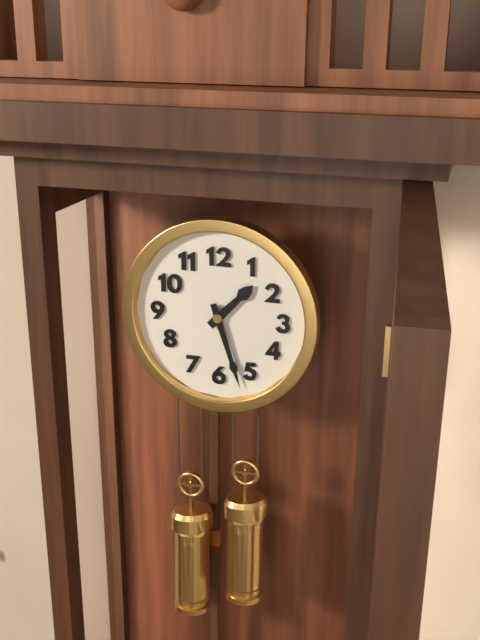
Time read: **1:27**
